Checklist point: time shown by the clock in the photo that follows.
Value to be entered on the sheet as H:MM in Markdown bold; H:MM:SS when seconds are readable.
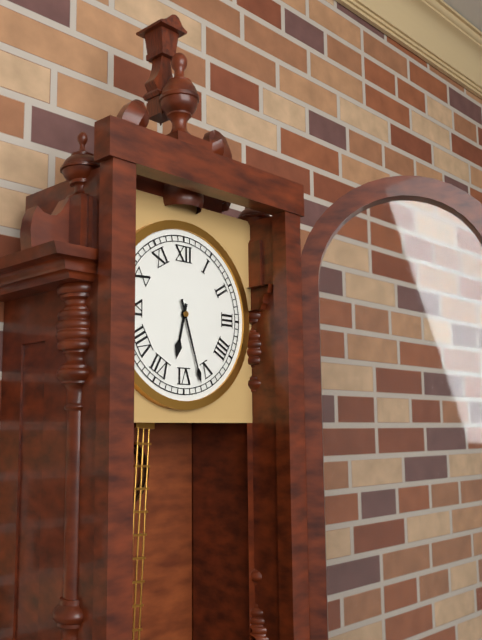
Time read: **6:27**
